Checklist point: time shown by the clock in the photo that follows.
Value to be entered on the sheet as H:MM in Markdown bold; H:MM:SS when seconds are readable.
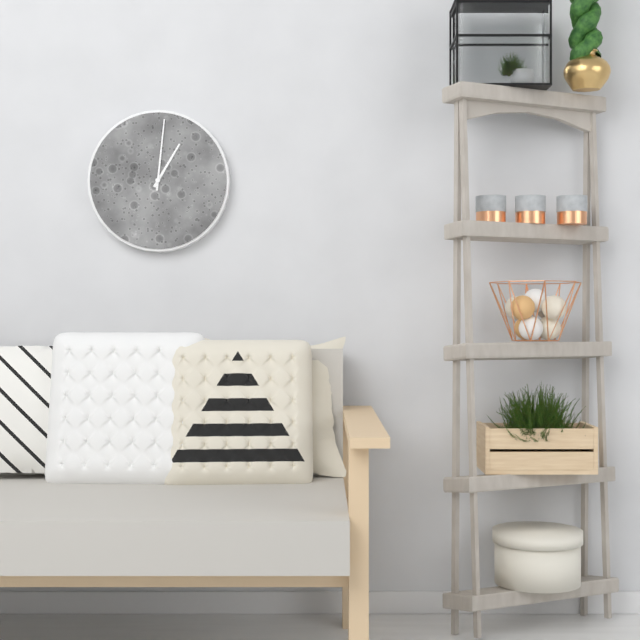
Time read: **1:01**
